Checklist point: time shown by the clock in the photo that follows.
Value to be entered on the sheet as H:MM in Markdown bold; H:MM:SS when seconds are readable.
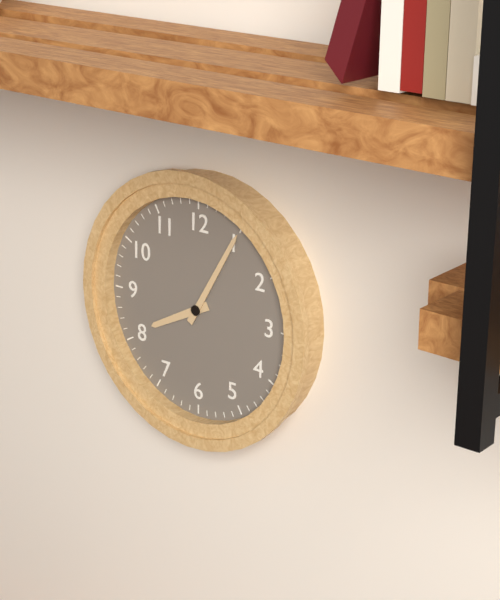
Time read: **8:05**
